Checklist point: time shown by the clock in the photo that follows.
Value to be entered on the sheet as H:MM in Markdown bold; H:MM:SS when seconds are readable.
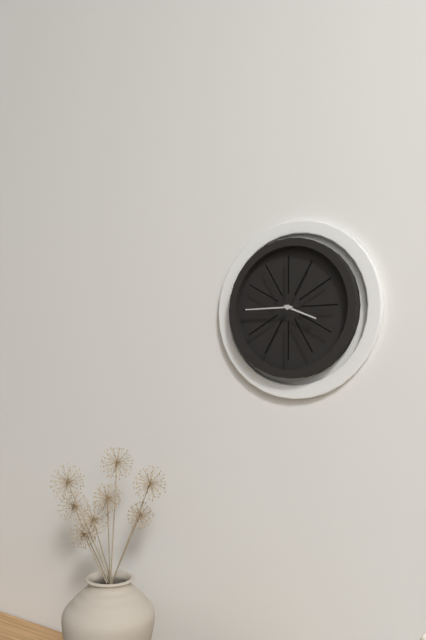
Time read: **3:45**
